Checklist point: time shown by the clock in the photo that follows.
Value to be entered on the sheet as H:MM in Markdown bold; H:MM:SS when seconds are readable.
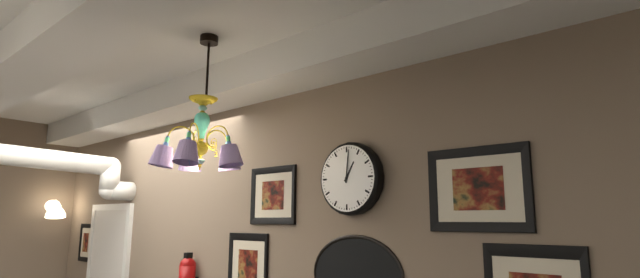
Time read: **1:01**
